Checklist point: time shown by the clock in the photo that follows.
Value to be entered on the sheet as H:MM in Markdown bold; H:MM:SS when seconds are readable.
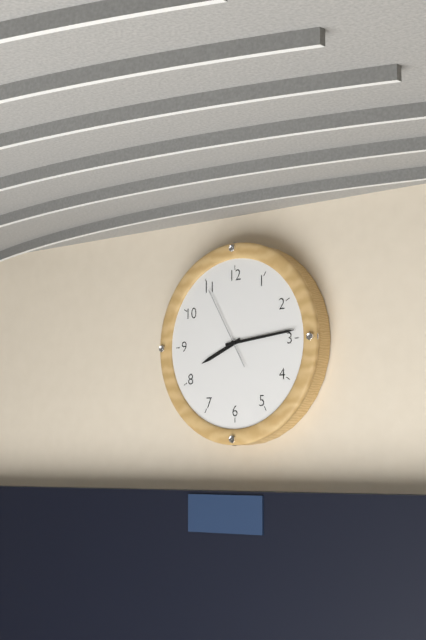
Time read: **8:14:55**
